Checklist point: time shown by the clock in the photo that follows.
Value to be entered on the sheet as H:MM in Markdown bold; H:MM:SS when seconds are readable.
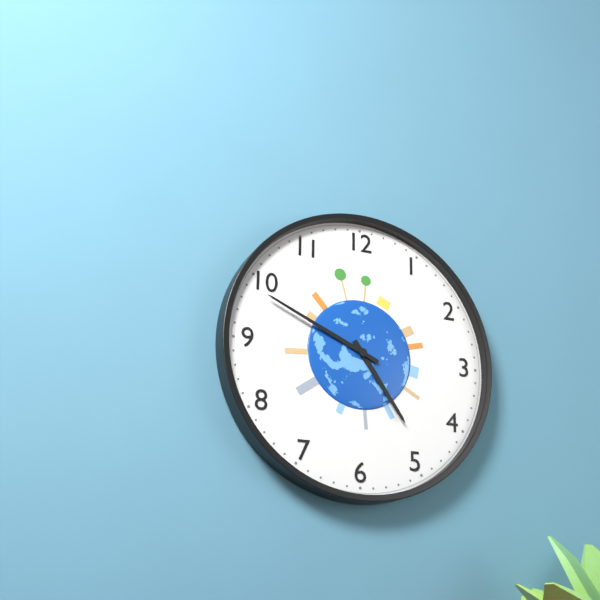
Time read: **4:49**
